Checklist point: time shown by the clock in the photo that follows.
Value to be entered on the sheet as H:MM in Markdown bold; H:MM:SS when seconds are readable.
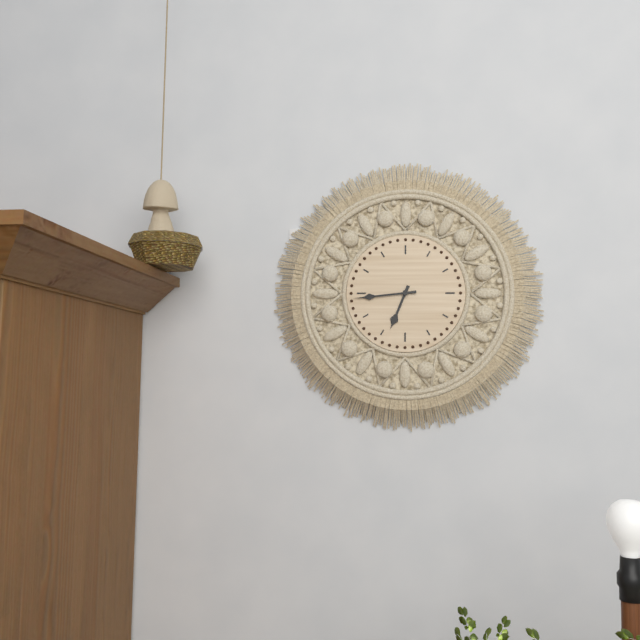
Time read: **6:44**
